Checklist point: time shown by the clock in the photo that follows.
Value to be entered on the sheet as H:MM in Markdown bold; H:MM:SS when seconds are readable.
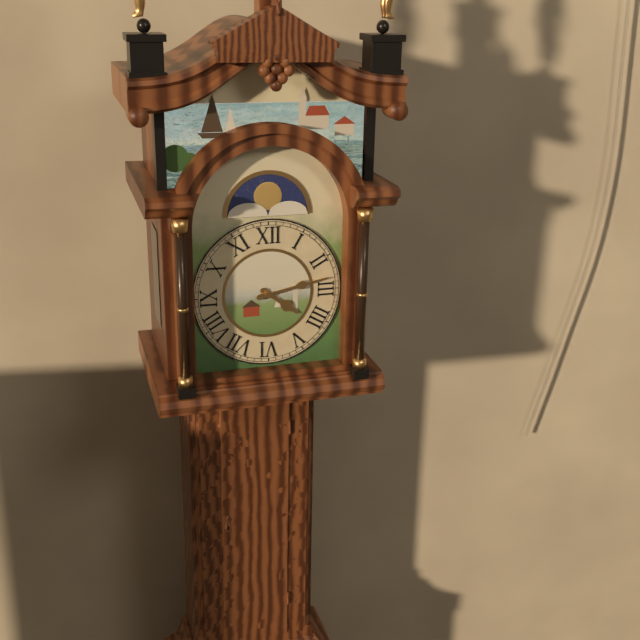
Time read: **4:13**
